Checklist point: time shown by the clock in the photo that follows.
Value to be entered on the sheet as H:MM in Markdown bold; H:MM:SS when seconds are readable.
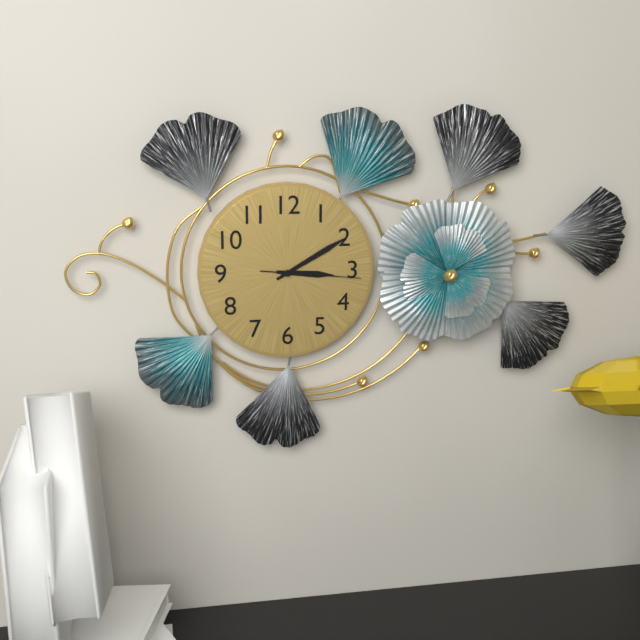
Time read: **3:10:16**
